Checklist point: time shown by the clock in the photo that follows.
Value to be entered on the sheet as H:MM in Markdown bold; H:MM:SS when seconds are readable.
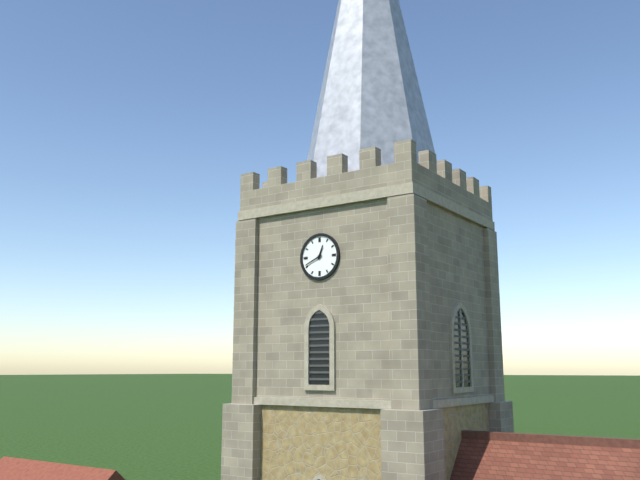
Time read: **12:41**
